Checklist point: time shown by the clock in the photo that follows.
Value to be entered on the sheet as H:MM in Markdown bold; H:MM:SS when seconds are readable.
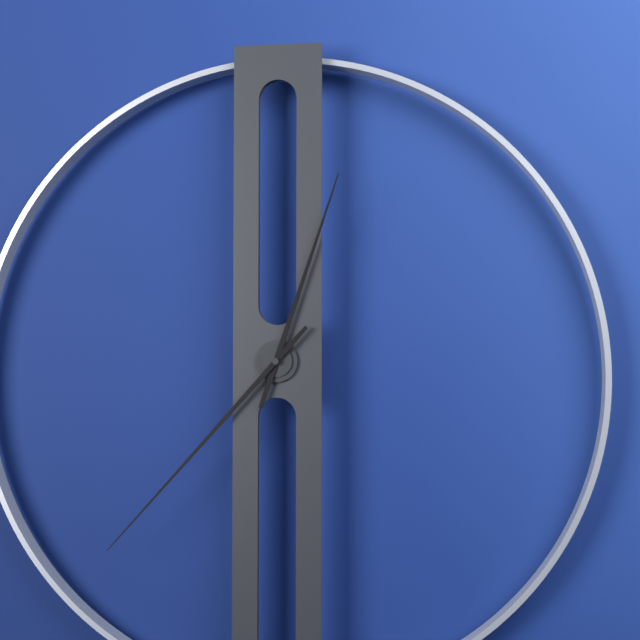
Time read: **12:37**
